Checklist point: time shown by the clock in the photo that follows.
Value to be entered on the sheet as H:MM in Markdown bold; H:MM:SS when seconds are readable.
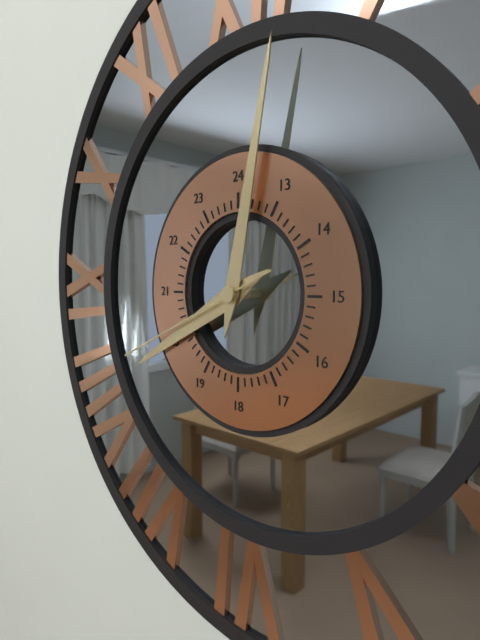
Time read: **8:02:41**
